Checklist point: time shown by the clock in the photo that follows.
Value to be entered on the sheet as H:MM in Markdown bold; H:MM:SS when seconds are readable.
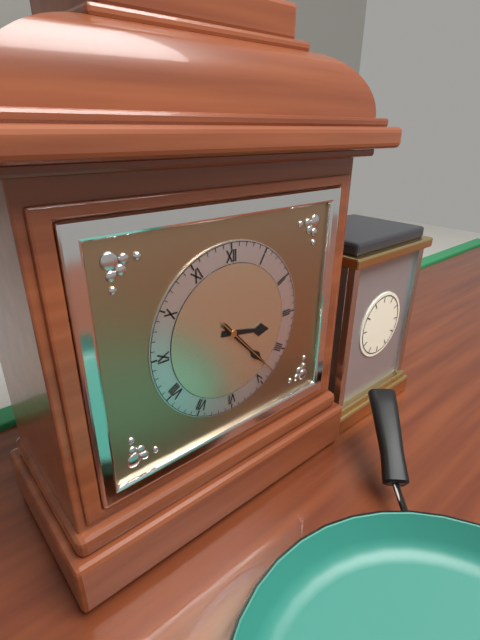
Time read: **3:23:23**
